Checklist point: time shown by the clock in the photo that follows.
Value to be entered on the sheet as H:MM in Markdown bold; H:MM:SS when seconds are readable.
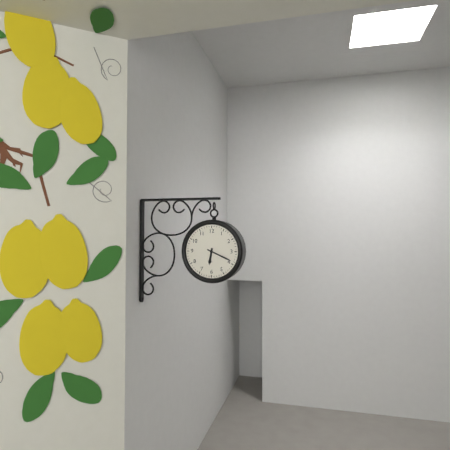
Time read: **6:19**
